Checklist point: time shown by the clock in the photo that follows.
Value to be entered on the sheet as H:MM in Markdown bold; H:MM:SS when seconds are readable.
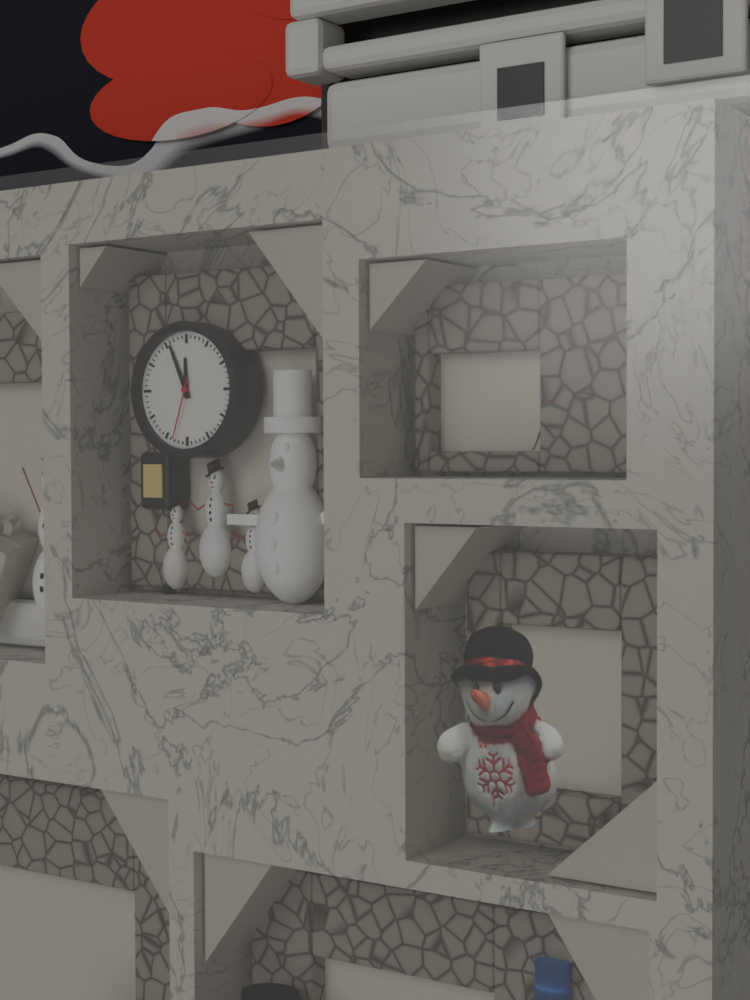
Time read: **11:56:33**
